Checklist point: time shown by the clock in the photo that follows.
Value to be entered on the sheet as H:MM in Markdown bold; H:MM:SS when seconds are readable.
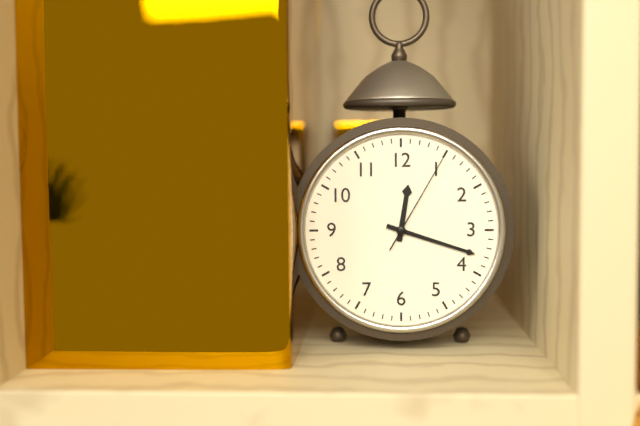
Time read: **12:18:05**
